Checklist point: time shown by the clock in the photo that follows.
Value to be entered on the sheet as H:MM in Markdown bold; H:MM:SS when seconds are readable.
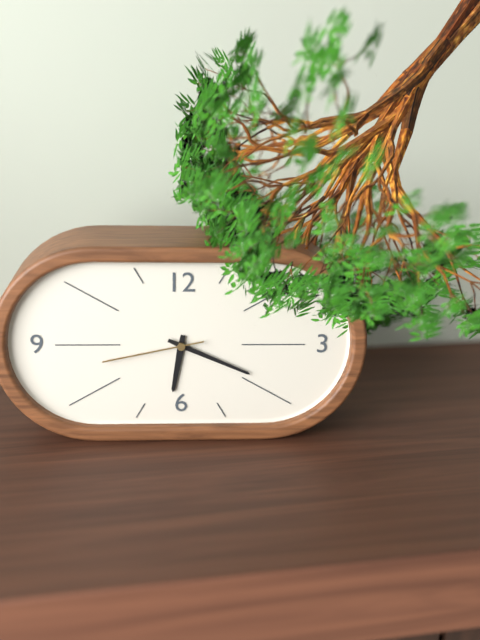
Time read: **6:19:43**
